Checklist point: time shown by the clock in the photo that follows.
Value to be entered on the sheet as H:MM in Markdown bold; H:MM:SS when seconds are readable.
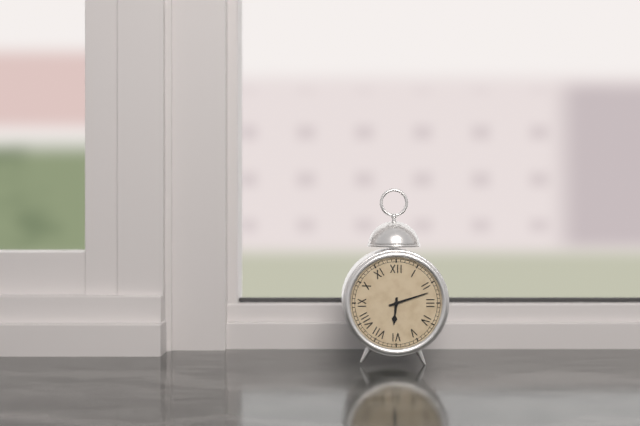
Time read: **6:12**
